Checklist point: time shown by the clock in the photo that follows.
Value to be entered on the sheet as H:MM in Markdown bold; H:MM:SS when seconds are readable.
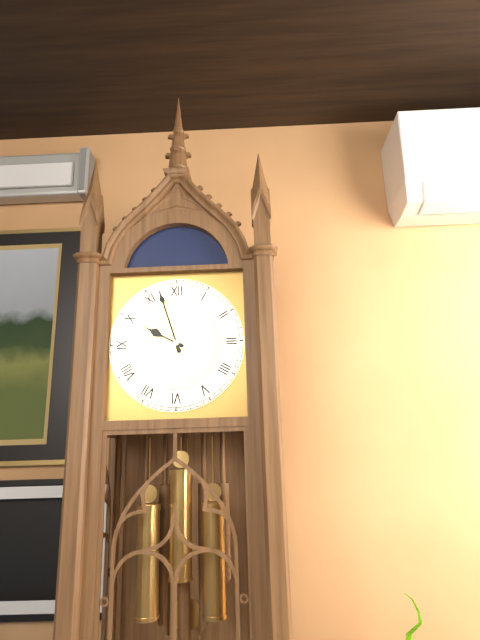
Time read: **9:57**
